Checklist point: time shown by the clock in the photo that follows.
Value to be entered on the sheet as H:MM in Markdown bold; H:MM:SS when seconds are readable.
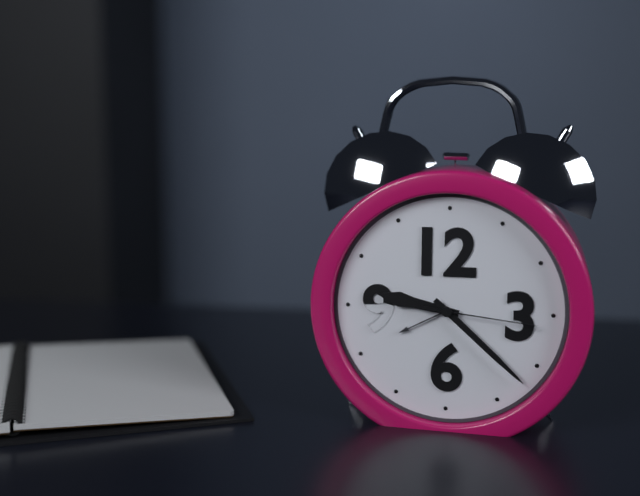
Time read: **9:22:16**
